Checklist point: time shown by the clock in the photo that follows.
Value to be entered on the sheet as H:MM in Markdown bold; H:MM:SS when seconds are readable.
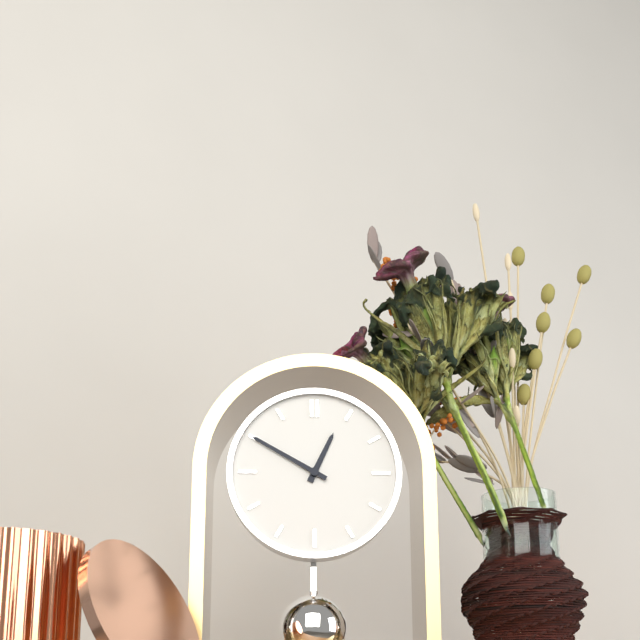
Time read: **12:50**
